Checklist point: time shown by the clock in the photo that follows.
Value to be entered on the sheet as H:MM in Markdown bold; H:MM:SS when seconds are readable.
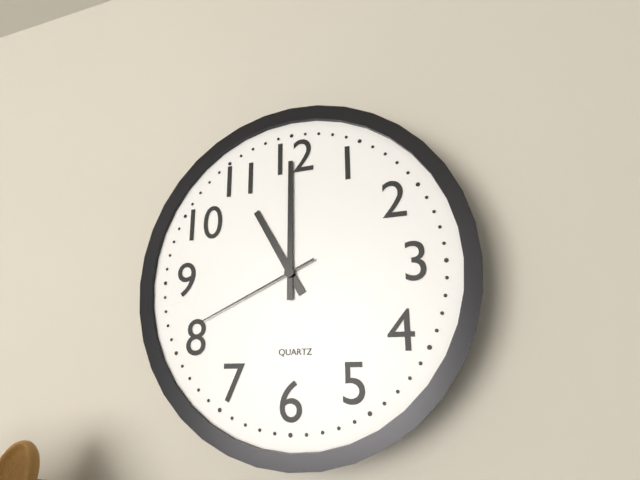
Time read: **11:00:41**
